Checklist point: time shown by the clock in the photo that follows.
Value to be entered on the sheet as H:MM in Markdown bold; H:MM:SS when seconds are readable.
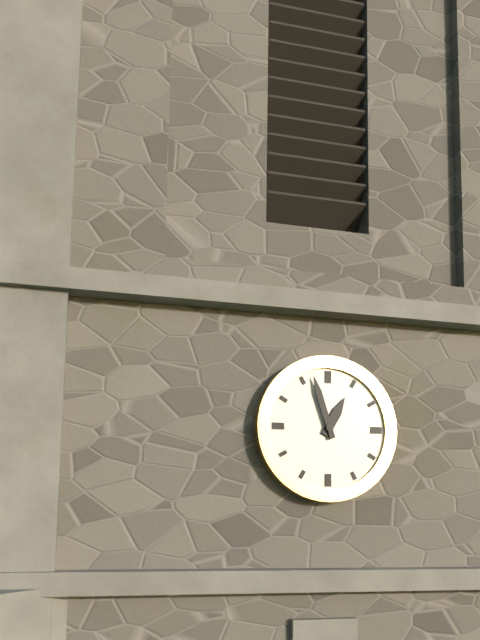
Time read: **12:57**
